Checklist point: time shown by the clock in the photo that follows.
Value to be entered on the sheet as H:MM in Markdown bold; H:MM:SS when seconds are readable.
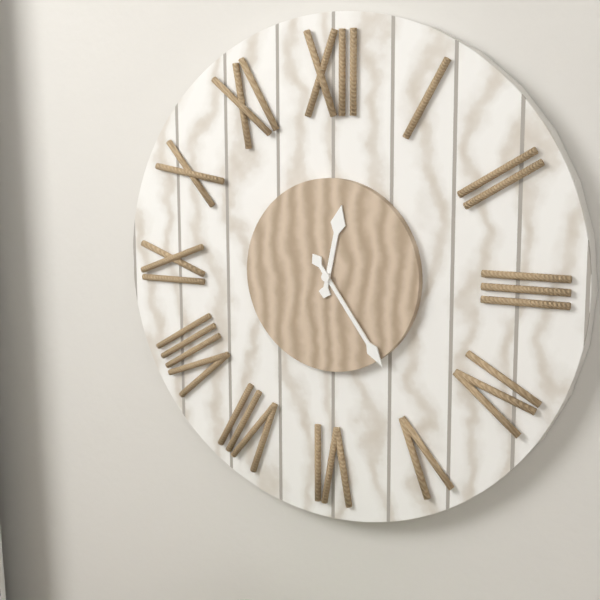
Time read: **12:24**
